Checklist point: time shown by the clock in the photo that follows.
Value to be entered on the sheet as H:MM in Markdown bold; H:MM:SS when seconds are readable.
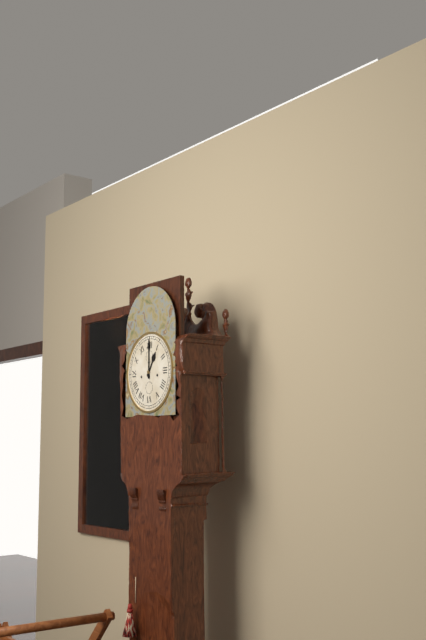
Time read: **1:00**
